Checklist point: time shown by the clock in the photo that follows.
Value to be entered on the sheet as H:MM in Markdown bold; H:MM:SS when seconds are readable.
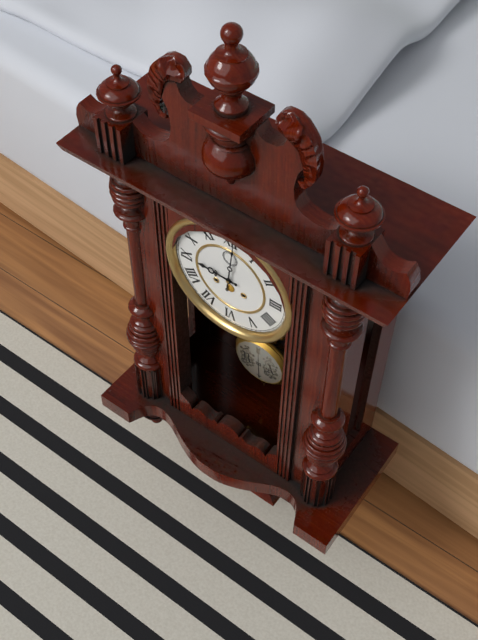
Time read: **9:01**
